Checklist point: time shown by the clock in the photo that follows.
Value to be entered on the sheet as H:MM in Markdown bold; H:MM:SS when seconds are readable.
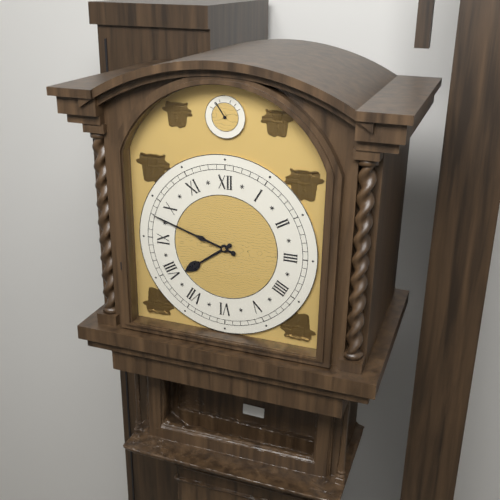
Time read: **7:48**
